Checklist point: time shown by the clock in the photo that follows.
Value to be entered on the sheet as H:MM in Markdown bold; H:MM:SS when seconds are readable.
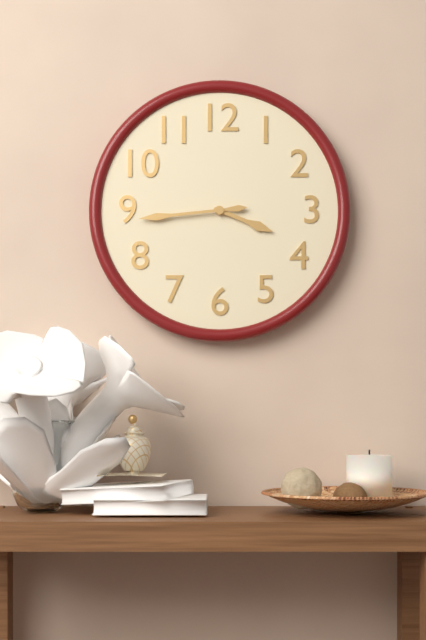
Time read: **3:44**
